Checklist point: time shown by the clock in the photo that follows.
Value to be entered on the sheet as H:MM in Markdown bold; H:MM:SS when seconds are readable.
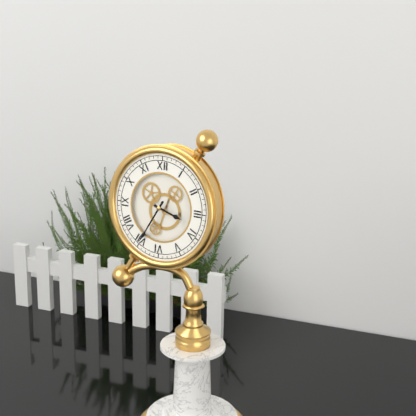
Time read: **3:35**
